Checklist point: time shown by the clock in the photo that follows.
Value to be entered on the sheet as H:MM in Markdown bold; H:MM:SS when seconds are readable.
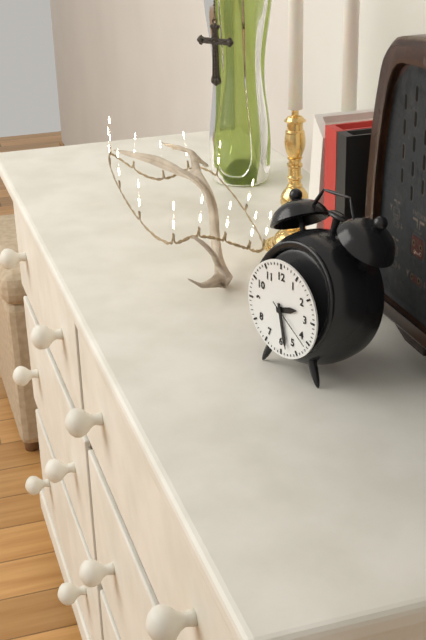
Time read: **2:28:21**
